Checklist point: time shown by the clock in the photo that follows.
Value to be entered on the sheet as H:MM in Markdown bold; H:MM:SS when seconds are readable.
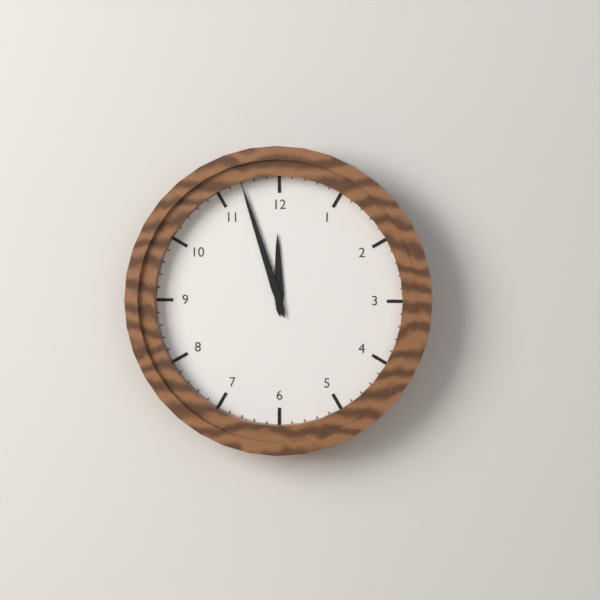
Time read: **11:57**
